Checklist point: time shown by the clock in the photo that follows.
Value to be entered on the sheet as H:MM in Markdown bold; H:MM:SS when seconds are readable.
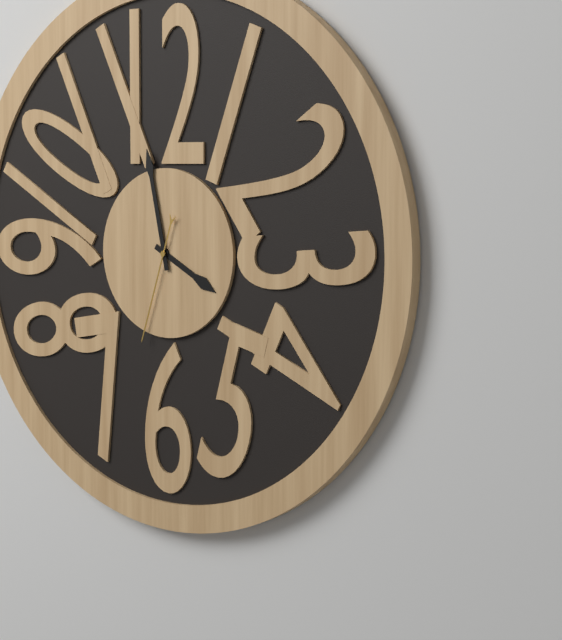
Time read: **3:58:33**
